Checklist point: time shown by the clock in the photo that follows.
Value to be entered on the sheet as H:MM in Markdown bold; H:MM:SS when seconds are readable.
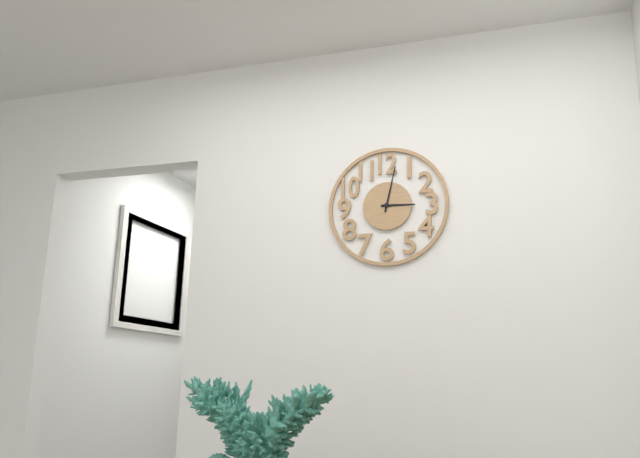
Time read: **3:02**
